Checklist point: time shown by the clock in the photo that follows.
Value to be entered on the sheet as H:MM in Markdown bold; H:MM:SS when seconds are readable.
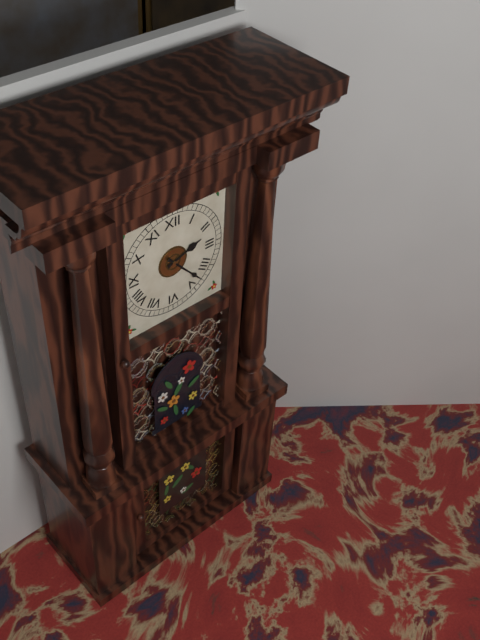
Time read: **2:23**
